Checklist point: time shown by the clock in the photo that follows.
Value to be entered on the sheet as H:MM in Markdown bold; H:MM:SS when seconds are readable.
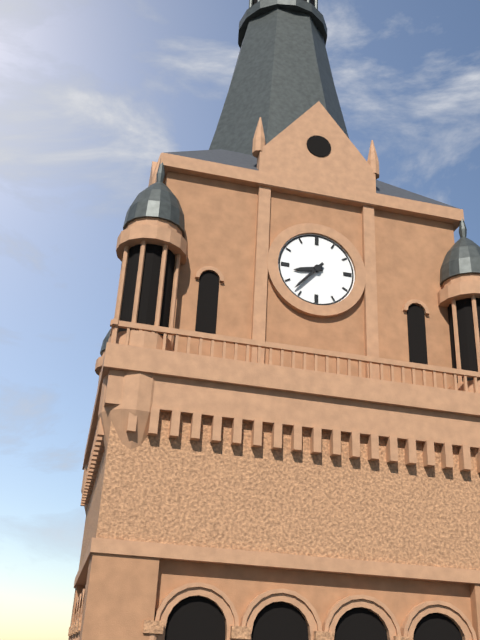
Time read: **8:37**
